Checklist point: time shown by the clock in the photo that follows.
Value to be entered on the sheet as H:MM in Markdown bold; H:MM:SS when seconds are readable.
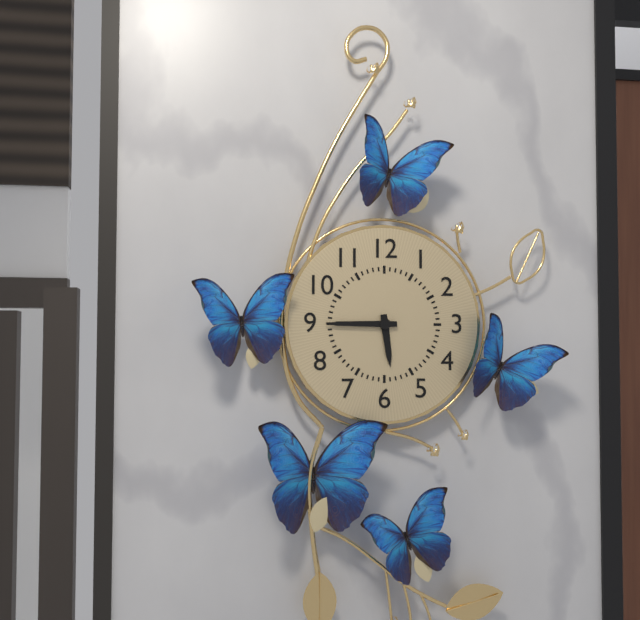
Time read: **5:45**
